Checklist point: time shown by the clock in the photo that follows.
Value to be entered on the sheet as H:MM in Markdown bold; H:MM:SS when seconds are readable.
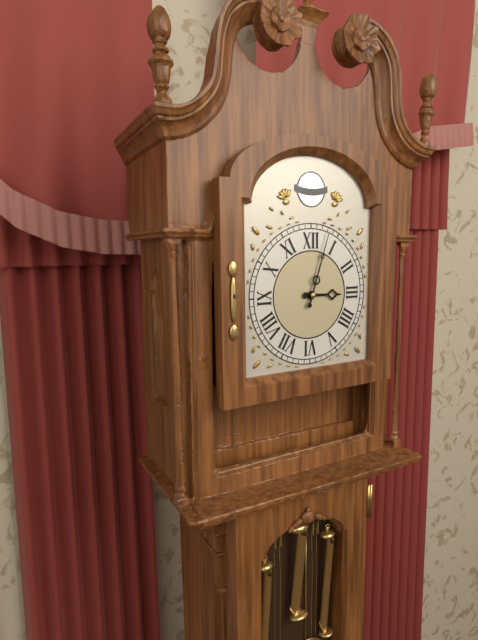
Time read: **3:03**
